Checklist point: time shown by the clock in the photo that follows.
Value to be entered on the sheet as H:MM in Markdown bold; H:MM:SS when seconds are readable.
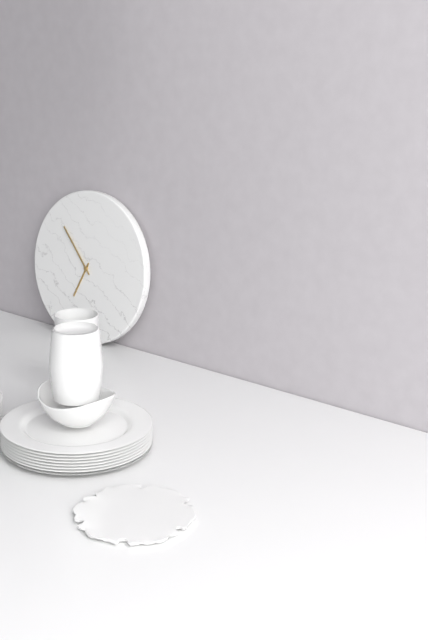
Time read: **6:53**
